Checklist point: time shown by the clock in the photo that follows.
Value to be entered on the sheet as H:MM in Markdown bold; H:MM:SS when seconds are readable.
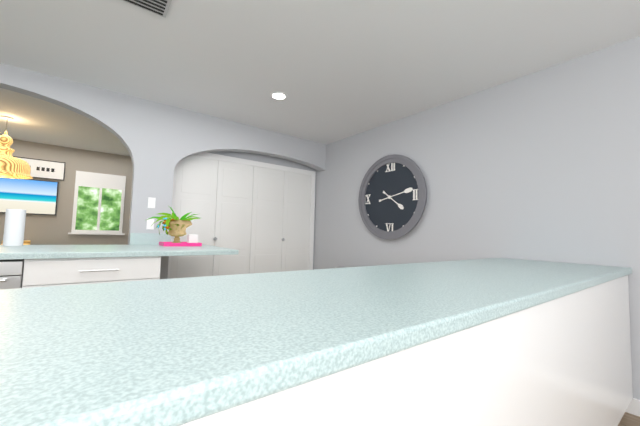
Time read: **4:13**
